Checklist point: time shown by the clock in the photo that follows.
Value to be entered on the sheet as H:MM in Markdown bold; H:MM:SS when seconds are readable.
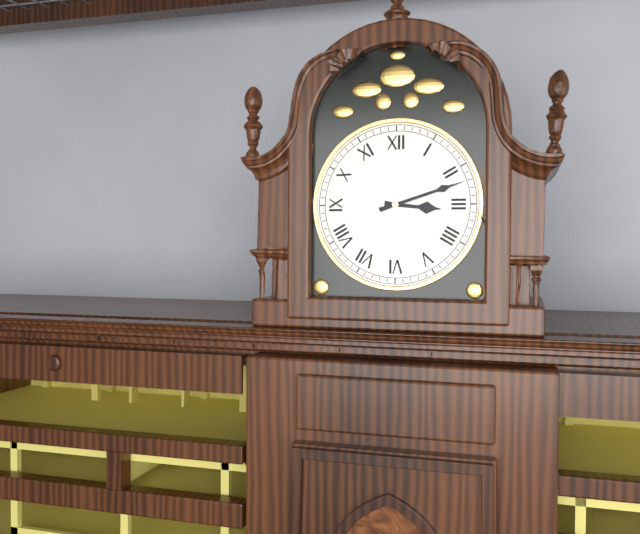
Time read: **3:12**
